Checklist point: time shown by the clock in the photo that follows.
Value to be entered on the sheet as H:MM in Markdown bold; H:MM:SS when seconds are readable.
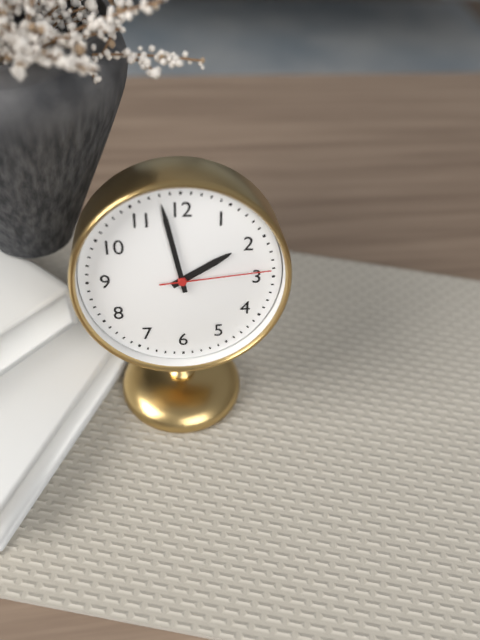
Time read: **1:58:14**
